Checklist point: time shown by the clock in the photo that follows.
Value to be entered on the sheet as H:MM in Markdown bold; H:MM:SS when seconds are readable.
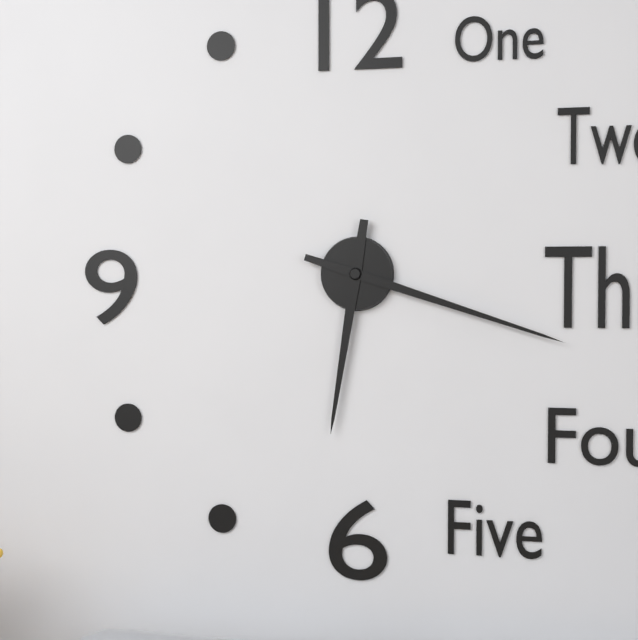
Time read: **6:18**
